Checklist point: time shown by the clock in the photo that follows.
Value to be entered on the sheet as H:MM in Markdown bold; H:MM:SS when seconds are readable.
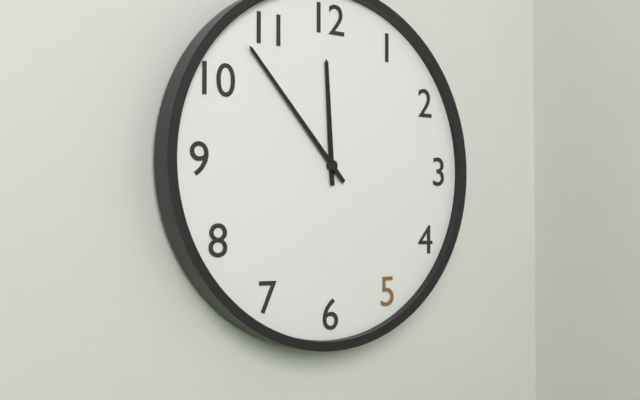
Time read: **11:53**
